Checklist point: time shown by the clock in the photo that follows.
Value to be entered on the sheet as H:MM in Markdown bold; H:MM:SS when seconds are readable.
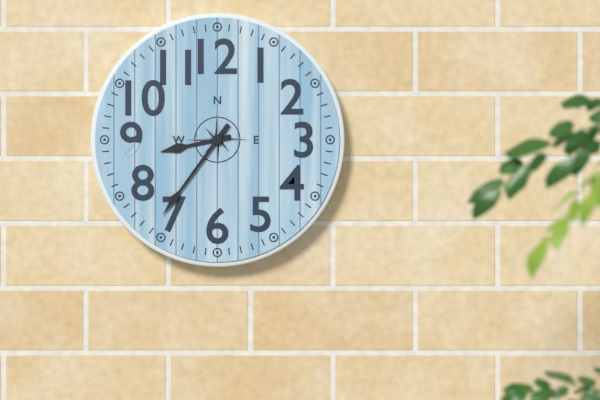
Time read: **8:36**
